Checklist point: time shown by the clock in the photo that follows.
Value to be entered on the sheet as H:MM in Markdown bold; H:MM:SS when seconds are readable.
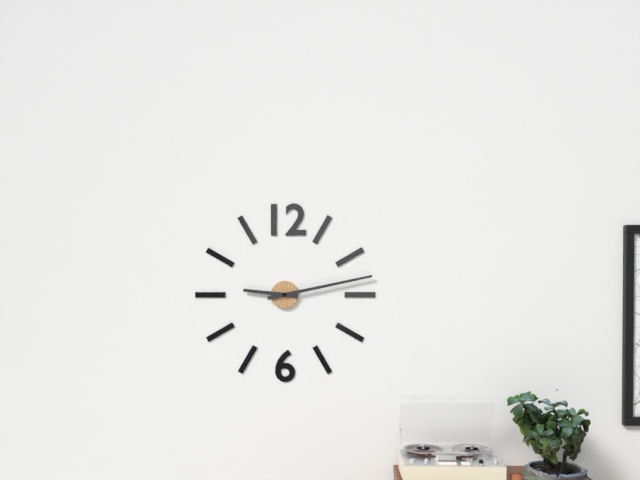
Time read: **9:13**
